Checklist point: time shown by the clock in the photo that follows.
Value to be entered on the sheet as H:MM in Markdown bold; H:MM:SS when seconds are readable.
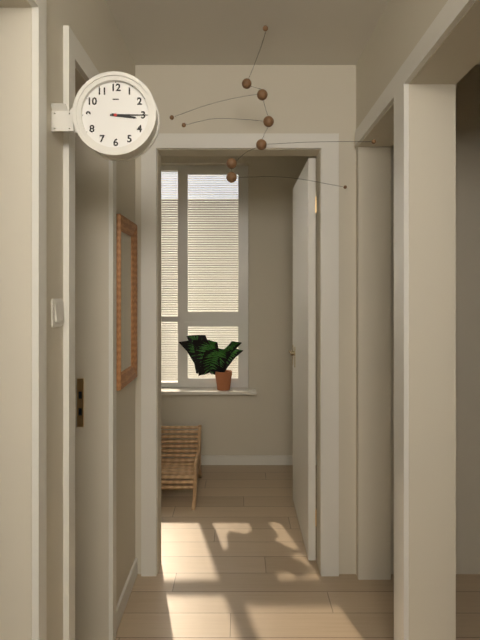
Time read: **3:15**
